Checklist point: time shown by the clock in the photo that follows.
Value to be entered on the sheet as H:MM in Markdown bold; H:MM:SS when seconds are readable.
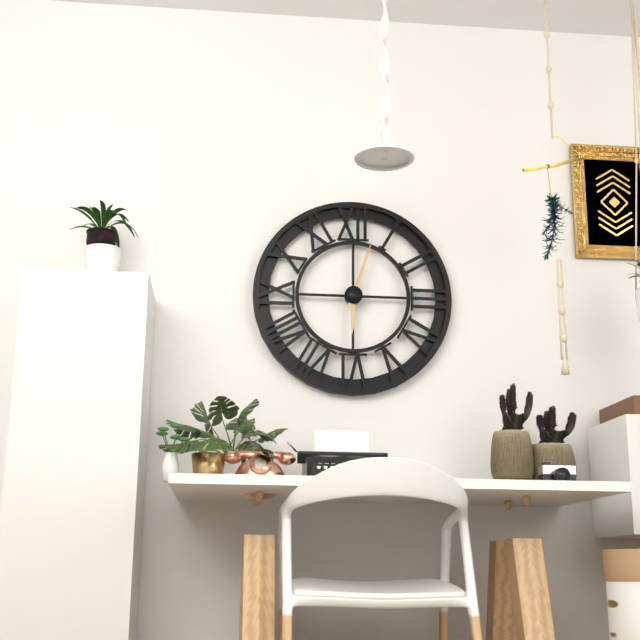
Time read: **6:03**
